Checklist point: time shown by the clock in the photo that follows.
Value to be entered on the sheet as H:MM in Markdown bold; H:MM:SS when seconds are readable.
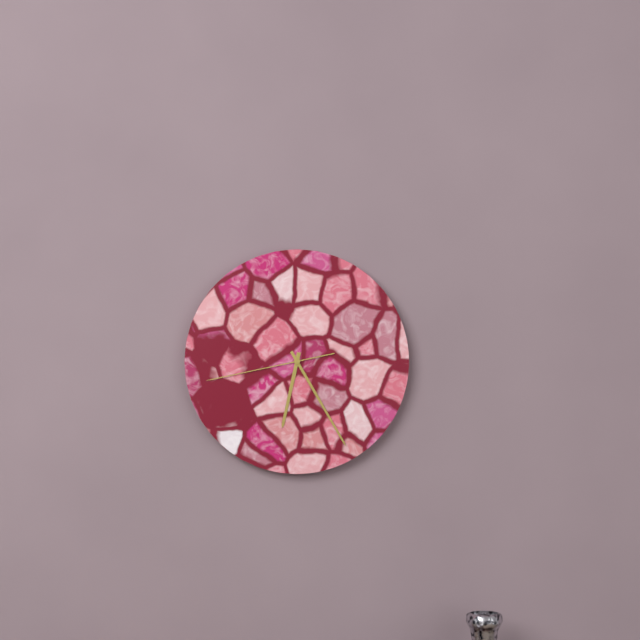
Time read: **6:25:43**
